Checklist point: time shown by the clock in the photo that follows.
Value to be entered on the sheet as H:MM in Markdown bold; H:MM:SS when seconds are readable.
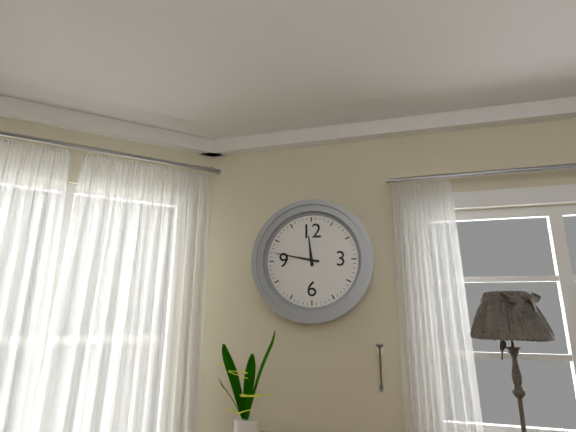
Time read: **11:47**
